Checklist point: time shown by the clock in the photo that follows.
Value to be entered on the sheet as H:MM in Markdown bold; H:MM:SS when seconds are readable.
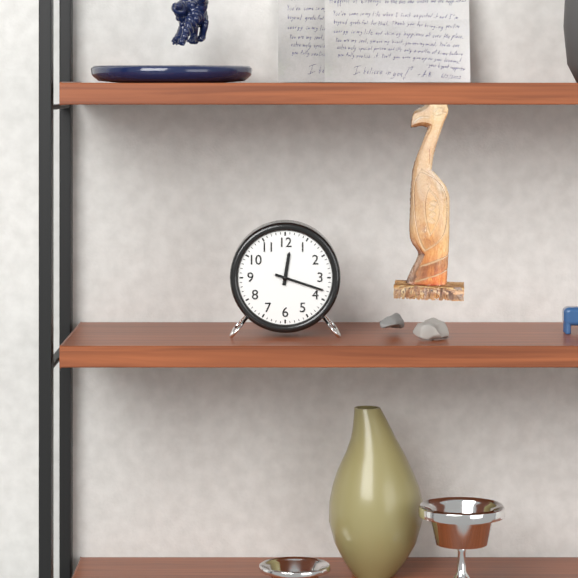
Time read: **12:18**
